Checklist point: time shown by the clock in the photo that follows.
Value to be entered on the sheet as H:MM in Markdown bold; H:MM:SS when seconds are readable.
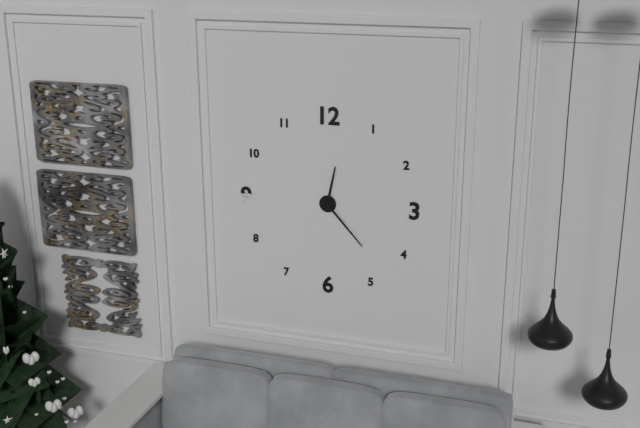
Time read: **12:23**
